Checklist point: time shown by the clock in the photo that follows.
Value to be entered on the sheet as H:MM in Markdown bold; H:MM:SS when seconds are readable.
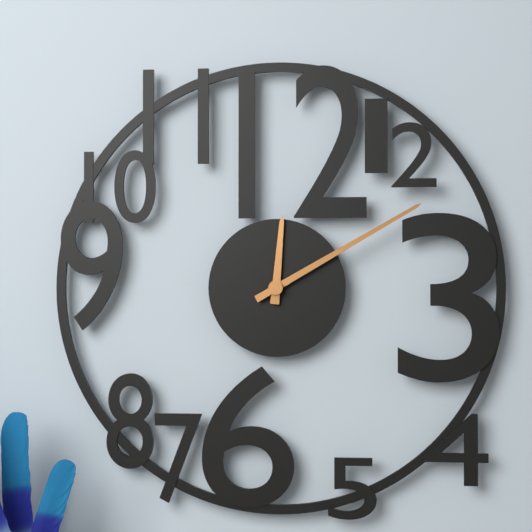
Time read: **12:10**
